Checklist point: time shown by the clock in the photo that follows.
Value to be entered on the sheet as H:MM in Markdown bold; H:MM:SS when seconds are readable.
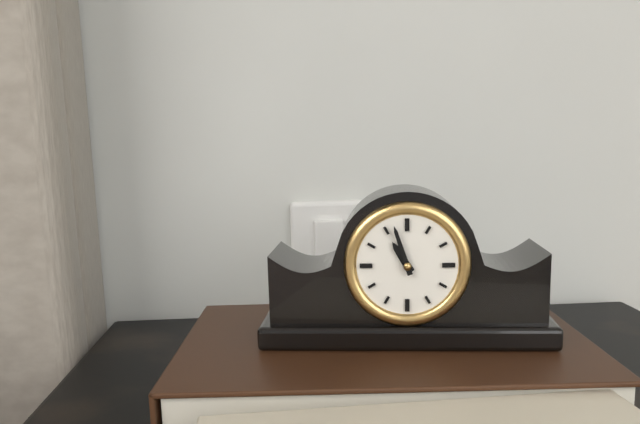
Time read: **10:57**
